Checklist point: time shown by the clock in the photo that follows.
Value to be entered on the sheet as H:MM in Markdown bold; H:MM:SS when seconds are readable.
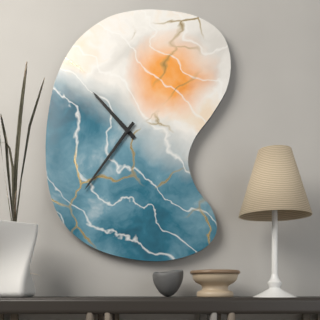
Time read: **10:36**
